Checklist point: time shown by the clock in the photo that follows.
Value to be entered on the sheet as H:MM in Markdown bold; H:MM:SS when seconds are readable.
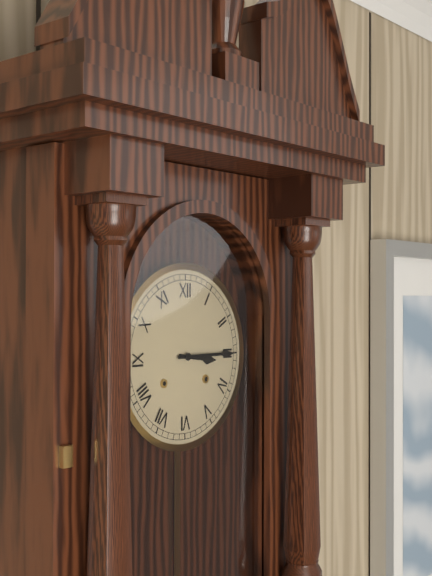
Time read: **3:15**
